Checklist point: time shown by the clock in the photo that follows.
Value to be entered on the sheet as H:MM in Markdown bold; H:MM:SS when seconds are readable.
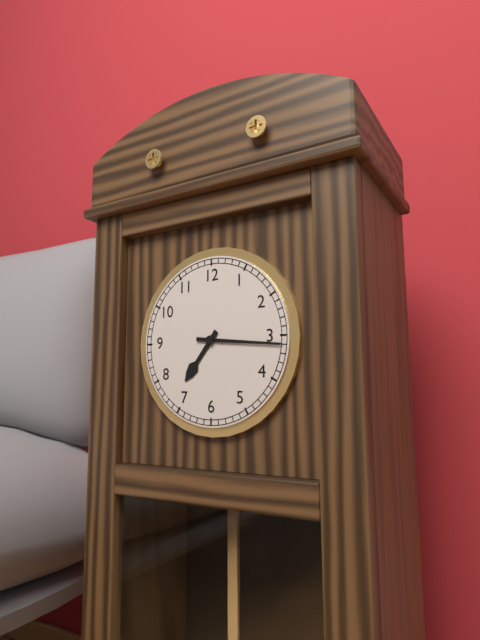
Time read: **7:16**
